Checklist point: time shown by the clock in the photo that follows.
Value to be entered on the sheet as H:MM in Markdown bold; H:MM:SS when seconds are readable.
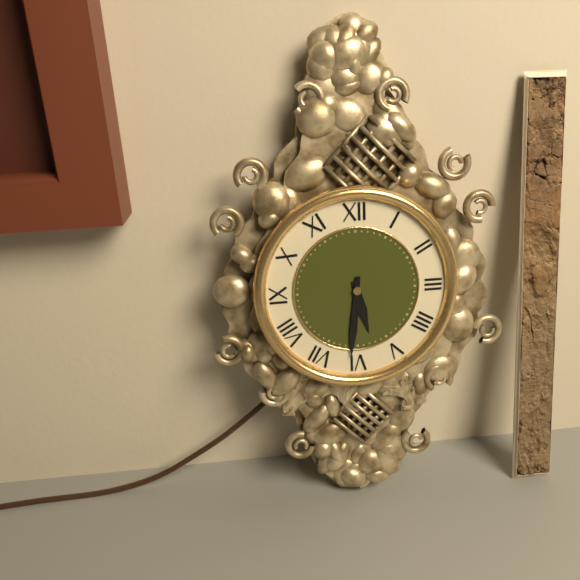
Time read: **5:31**
